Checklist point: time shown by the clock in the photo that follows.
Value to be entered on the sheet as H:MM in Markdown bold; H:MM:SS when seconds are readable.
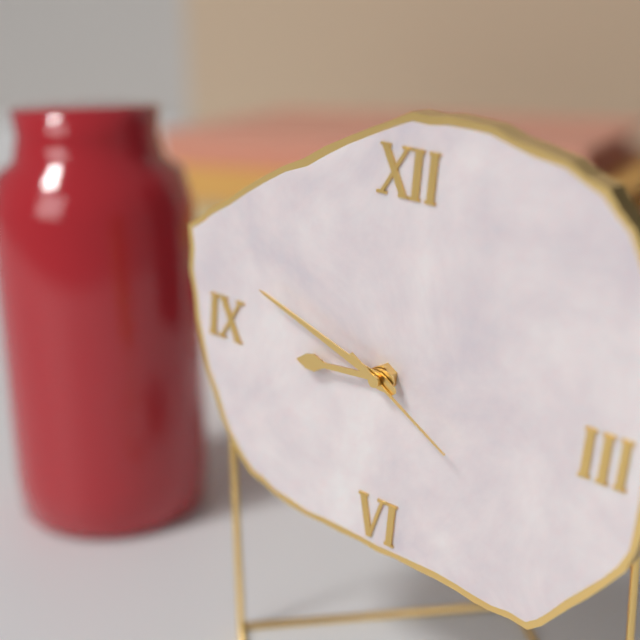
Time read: **8:48:20**
